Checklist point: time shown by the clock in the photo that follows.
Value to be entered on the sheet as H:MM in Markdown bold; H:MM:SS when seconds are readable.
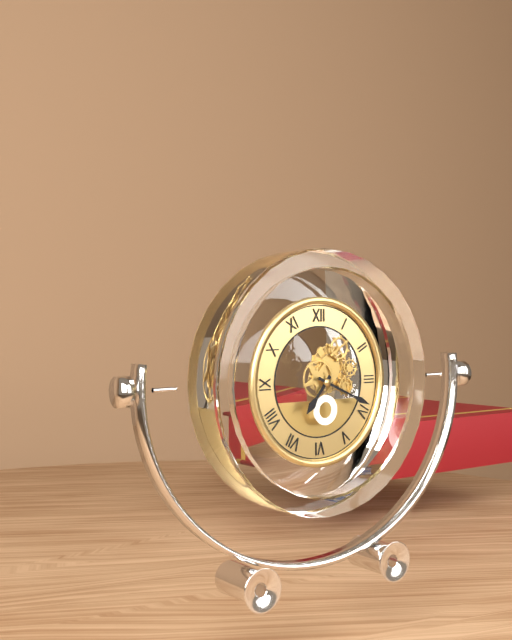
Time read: **7:19**
